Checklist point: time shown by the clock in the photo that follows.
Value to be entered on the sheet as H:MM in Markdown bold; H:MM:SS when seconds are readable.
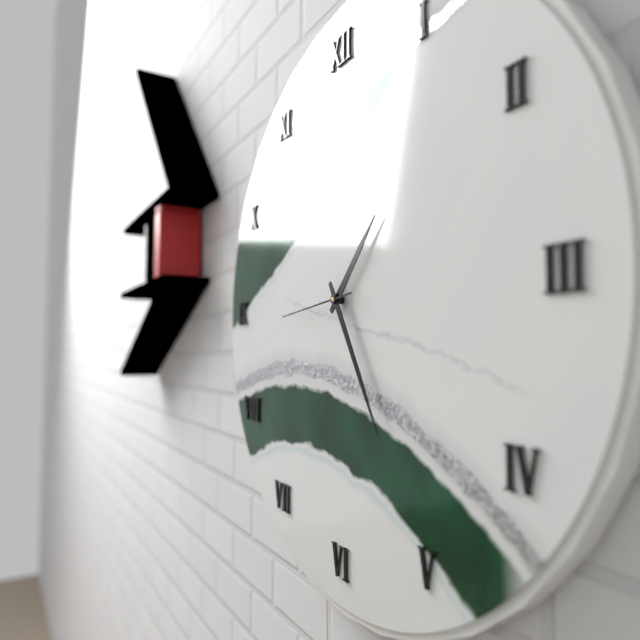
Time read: **1:25:44**
